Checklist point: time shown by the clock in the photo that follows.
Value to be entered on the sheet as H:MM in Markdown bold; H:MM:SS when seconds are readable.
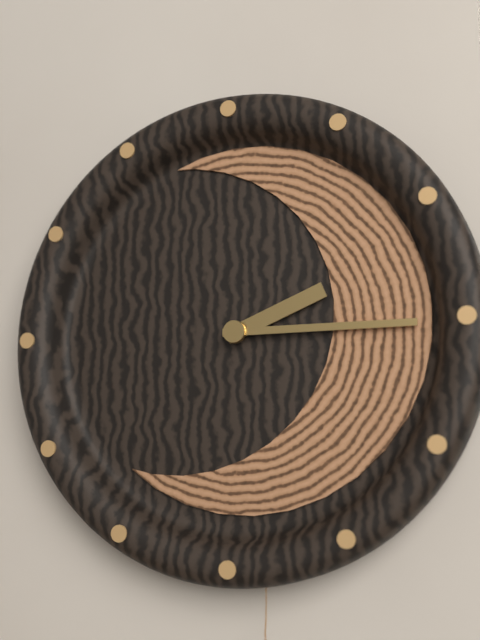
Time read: **2:15**
